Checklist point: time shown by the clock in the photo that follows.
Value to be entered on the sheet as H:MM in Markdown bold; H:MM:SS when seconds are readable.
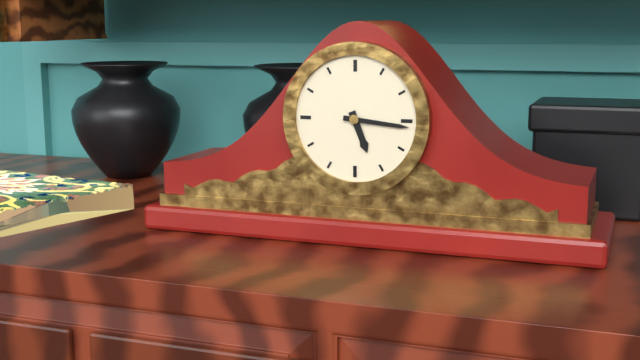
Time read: **5:16**
